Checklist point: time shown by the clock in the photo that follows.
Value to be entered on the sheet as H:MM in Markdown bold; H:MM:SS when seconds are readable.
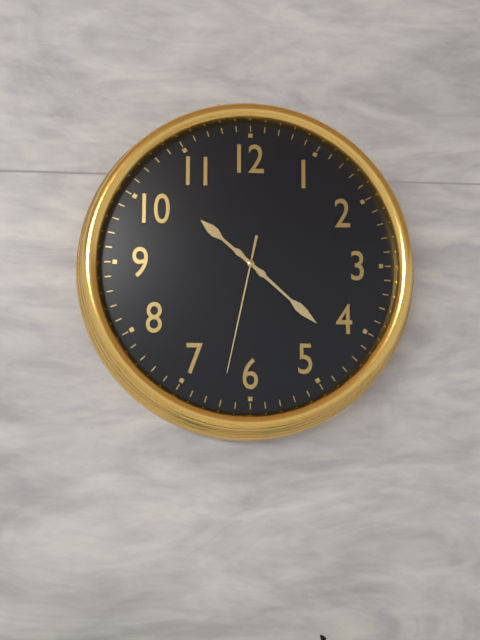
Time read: **10:22:32**
